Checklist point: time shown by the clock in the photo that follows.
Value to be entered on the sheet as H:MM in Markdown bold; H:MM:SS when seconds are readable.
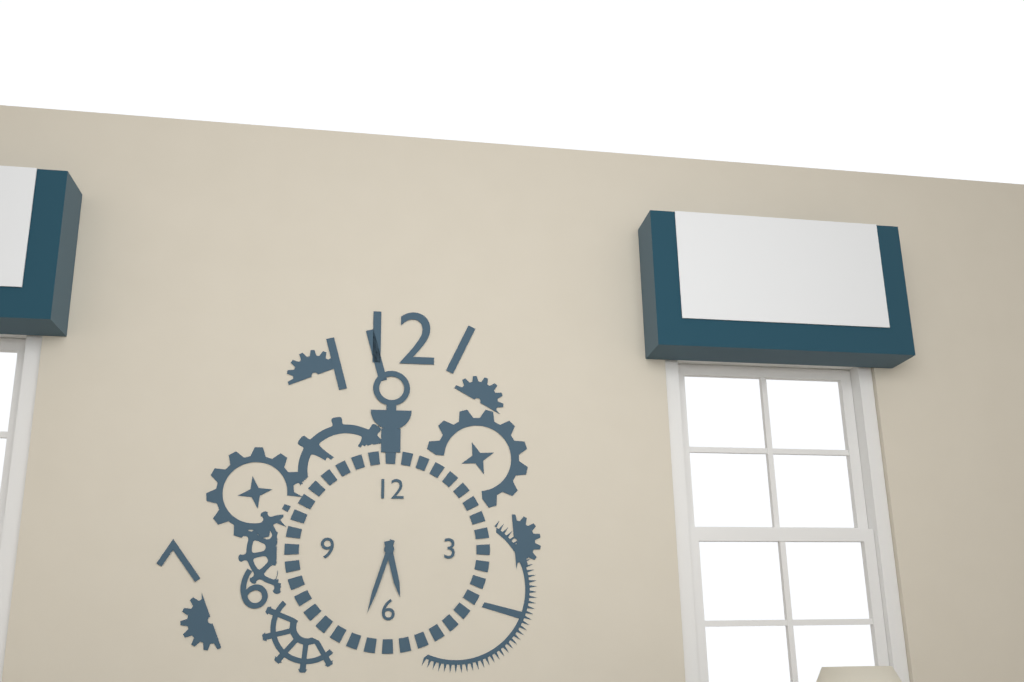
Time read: **5:33**
